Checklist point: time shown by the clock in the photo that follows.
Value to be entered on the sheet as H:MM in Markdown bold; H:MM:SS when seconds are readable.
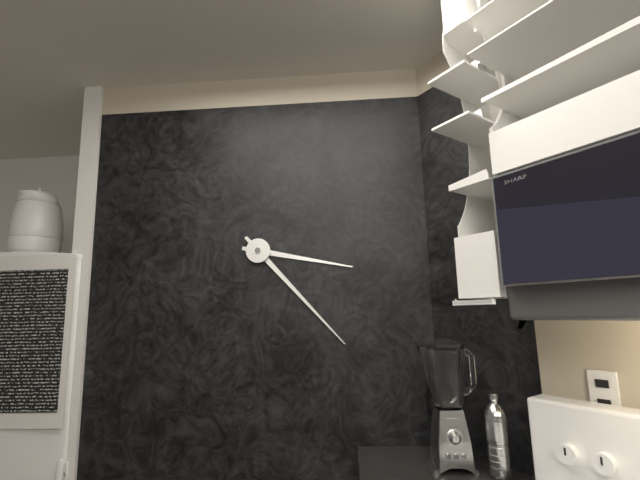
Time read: **3:23**
